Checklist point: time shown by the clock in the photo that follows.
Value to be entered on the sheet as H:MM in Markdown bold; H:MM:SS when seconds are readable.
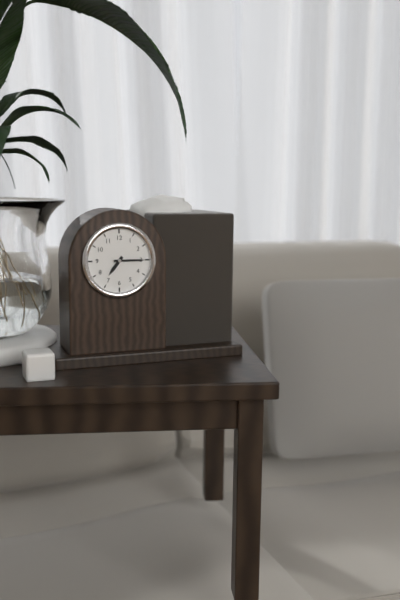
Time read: **7:15**
